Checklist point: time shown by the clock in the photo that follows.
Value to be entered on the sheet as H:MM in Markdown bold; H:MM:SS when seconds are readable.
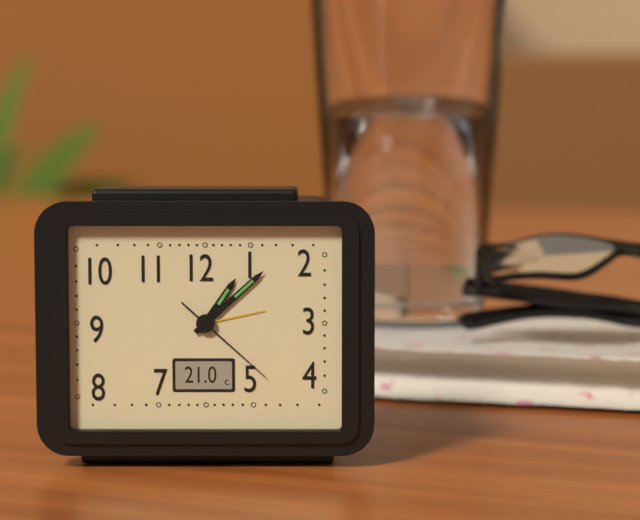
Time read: **1:08:22**
